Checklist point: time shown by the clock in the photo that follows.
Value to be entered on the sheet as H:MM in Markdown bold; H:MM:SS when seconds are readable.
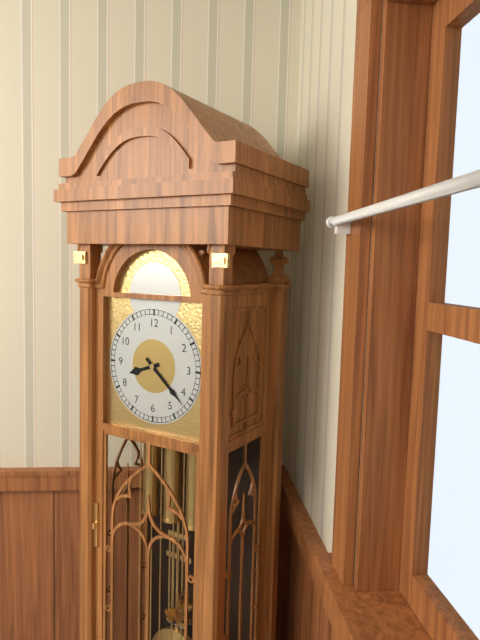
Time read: **8:22**
